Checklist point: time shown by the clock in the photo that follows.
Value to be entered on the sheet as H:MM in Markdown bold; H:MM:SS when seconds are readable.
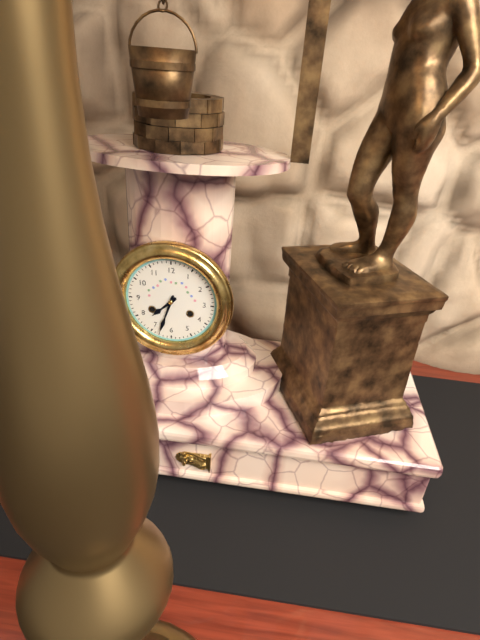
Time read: **7:33**
